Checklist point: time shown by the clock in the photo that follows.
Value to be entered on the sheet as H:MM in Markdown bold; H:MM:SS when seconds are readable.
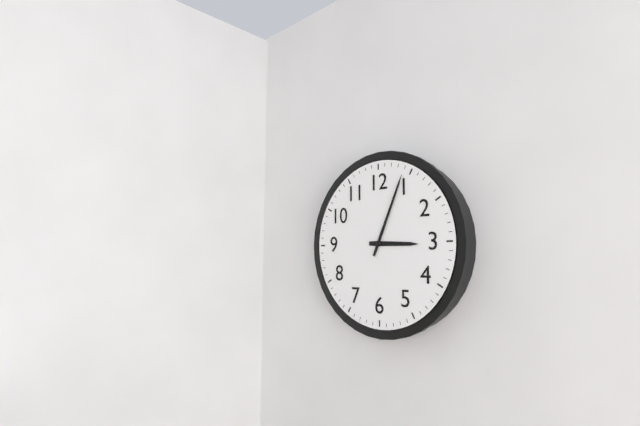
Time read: **3:04**
